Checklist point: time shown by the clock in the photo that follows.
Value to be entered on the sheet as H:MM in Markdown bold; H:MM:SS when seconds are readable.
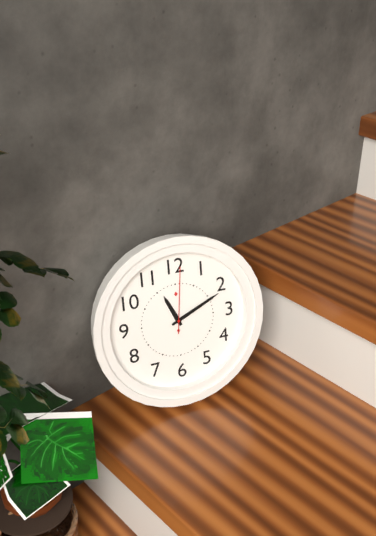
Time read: **11:11:01**
